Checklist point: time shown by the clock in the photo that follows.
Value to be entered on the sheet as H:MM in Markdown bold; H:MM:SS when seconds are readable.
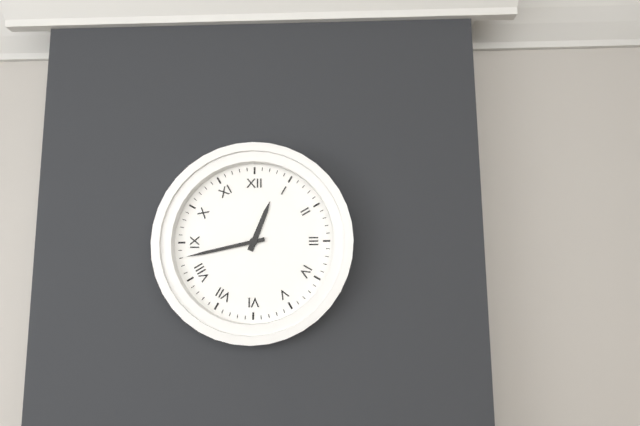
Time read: **12:43**
